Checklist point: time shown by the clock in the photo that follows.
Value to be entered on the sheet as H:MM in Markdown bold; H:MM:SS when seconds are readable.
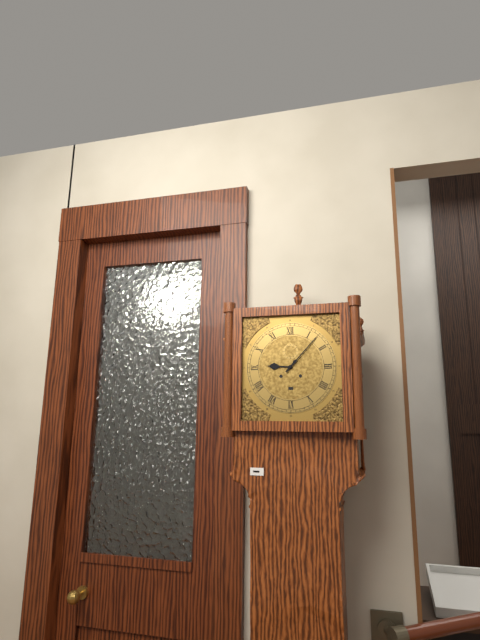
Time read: **9:07**
